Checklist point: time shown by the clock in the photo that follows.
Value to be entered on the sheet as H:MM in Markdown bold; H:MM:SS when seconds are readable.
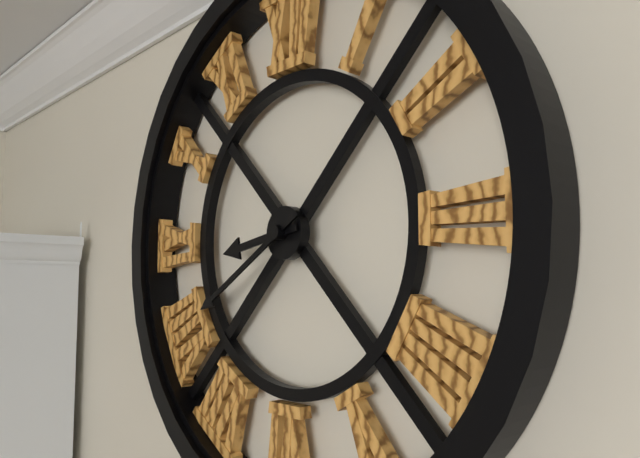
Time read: **8:40**
